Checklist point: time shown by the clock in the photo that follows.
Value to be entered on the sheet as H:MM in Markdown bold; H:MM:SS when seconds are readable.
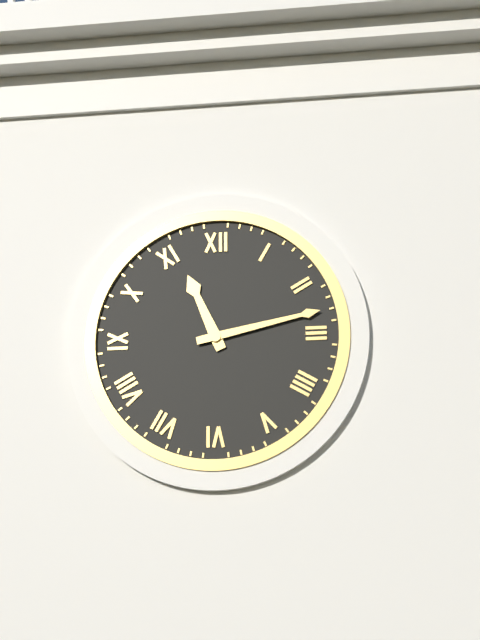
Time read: **11:13**
